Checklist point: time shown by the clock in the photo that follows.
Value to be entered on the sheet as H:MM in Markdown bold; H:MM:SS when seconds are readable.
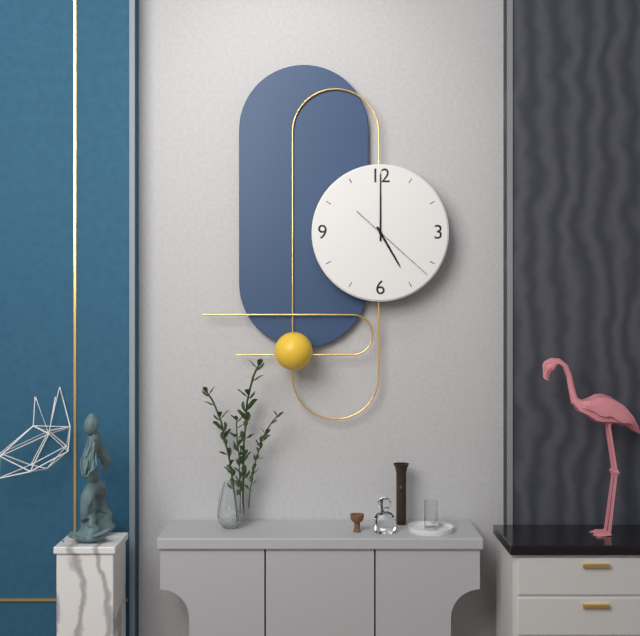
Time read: **5:00:22**
